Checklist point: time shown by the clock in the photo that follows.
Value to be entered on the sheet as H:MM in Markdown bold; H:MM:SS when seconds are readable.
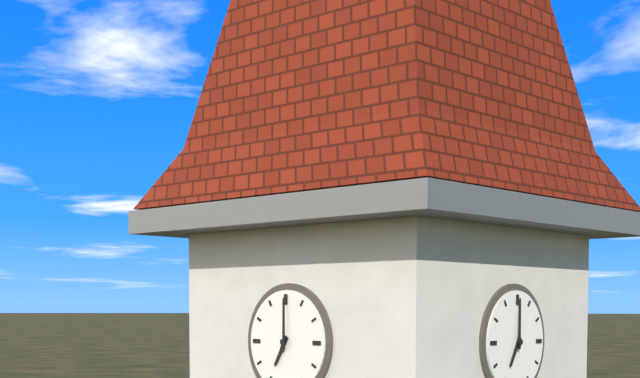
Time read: **7:00**
